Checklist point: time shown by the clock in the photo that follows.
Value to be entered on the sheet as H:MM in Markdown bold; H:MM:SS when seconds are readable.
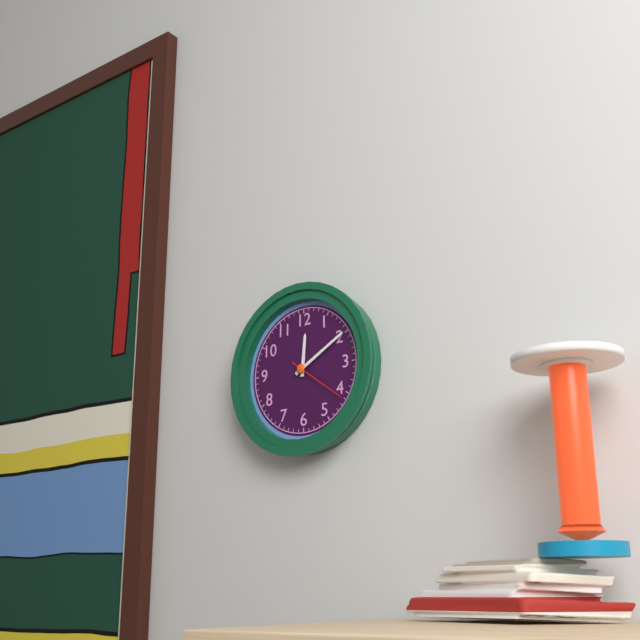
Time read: **12:10:21**
